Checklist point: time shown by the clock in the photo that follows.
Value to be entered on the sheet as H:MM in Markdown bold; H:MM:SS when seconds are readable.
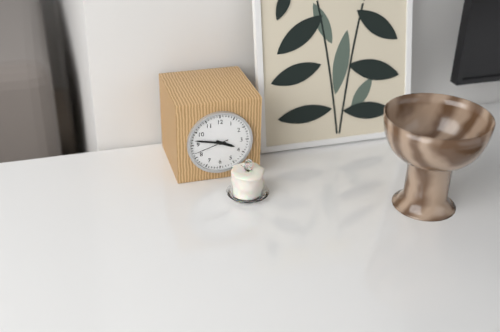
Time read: **3:47**
